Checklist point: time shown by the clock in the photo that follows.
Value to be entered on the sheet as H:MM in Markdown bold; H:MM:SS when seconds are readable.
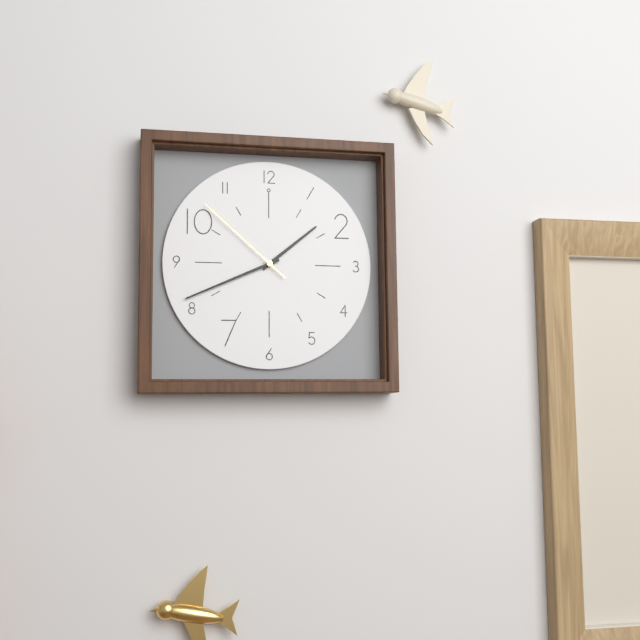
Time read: **1:41:52**
